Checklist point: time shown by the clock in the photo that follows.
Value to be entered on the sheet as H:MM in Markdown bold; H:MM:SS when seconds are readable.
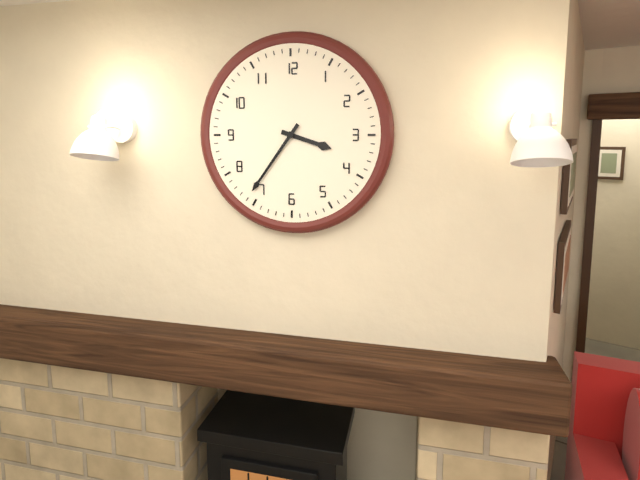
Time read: **3:36**
